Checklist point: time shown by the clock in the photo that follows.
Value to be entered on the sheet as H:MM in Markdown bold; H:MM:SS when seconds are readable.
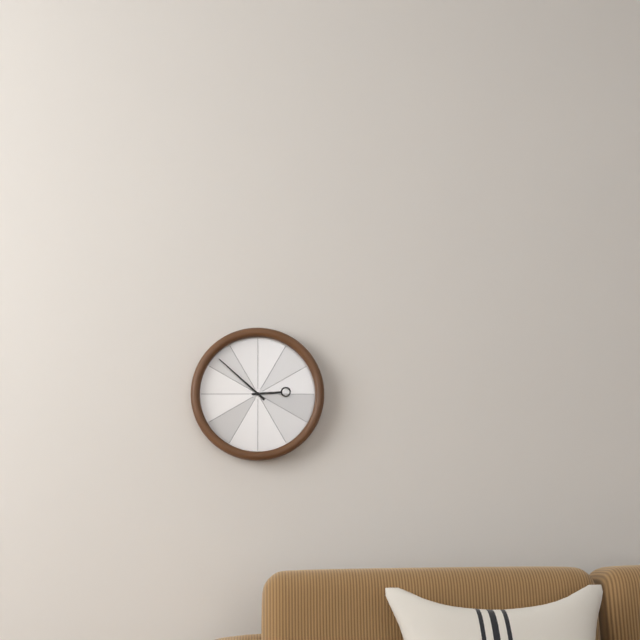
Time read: **2:52**
